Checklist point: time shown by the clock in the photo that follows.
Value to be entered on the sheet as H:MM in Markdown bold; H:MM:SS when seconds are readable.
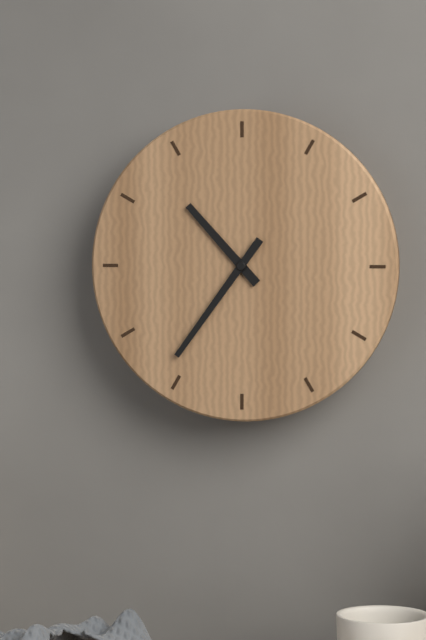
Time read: **10:36**
